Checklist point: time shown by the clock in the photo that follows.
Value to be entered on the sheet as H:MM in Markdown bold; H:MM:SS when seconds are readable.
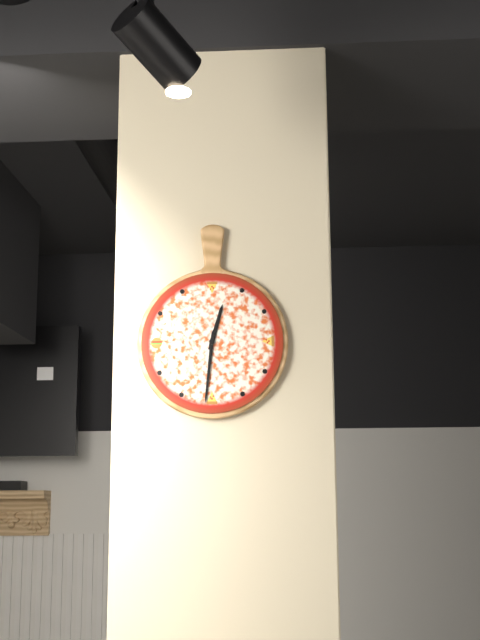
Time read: **12:31**
